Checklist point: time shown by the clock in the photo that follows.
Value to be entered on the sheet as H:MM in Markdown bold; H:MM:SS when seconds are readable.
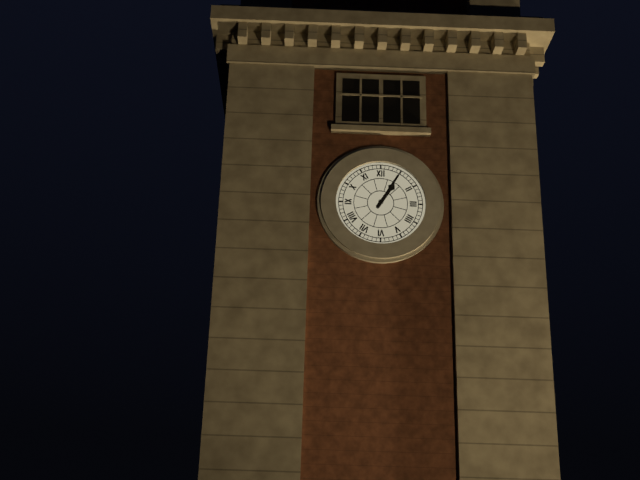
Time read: **1:05**
